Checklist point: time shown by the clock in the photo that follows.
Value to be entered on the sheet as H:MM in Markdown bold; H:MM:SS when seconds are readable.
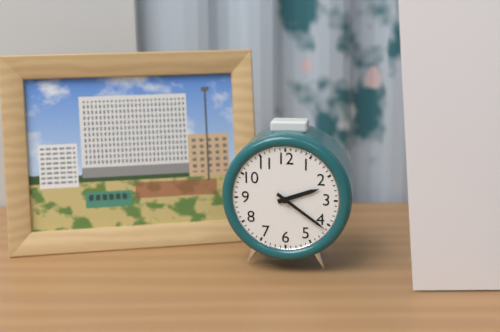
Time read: **2:21**
